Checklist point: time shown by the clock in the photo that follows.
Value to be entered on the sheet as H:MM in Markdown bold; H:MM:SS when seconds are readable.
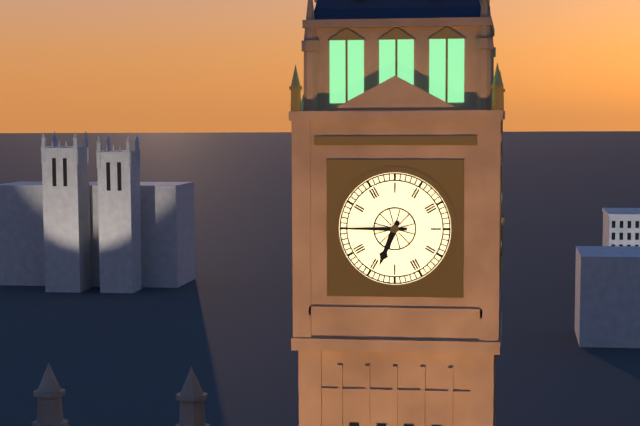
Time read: **6:45**
